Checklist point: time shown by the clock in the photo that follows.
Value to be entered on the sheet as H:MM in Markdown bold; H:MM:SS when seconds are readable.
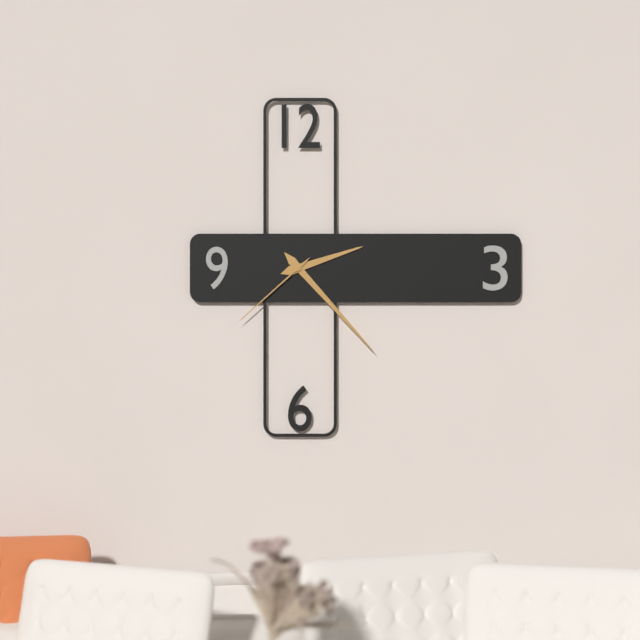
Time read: **2:23:38**
